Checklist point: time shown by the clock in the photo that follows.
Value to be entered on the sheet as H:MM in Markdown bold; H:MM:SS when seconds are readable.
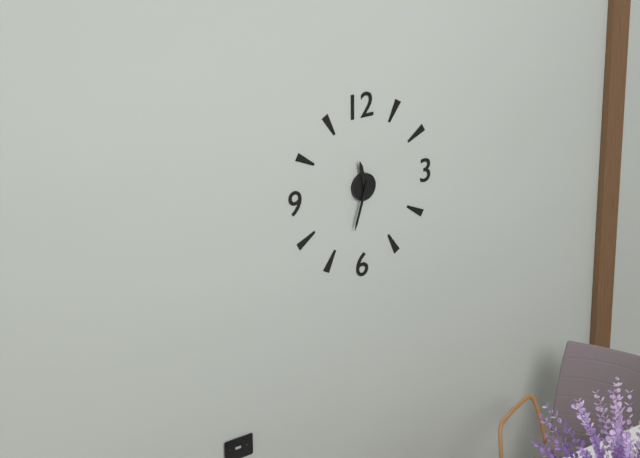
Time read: **11:33**
